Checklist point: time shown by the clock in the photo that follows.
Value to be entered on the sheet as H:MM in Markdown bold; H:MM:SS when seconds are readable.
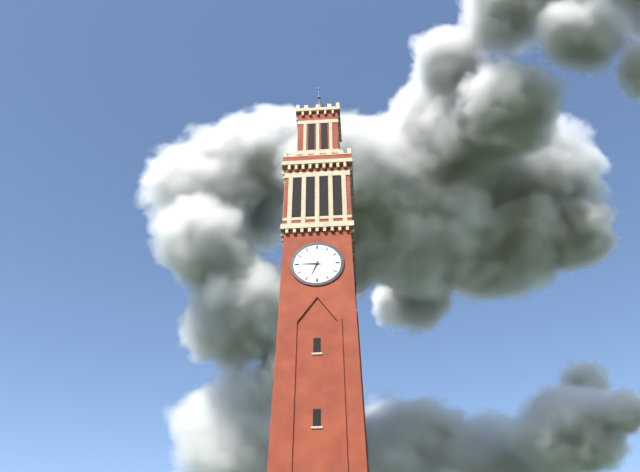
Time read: **6:45**
